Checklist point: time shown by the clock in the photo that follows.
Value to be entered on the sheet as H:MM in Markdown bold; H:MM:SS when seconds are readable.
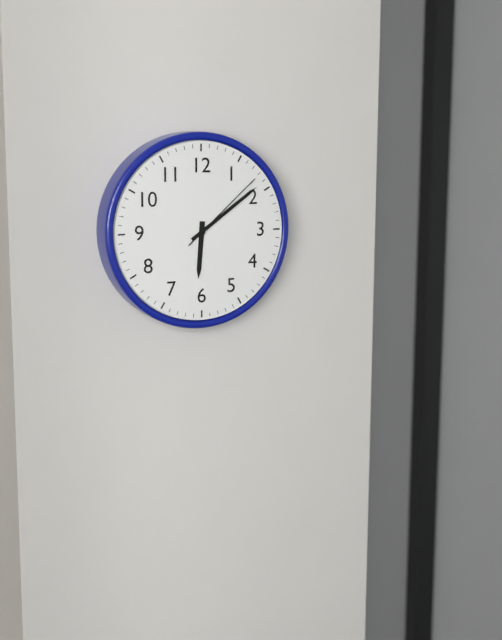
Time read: **6:09:08**
